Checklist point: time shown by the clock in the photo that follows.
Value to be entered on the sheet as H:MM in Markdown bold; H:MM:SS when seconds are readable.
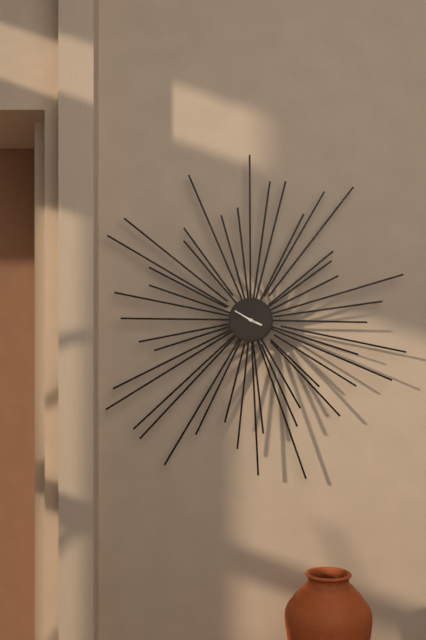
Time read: **3:50**
